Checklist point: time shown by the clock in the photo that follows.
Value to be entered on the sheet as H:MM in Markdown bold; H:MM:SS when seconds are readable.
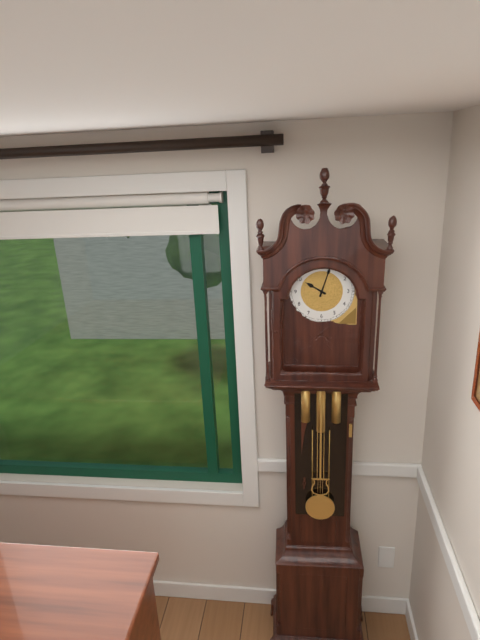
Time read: **10:03**
